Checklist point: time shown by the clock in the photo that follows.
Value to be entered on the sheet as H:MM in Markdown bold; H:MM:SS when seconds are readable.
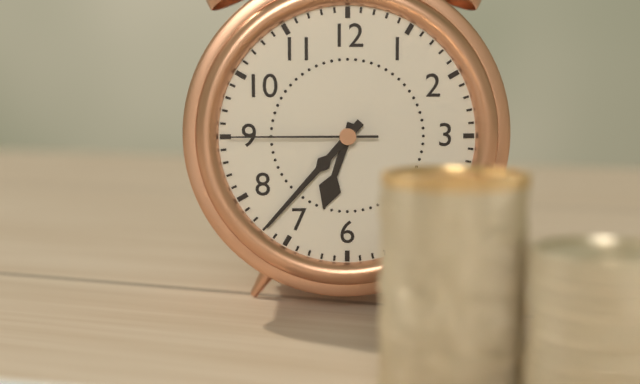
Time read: **6:37:45**
